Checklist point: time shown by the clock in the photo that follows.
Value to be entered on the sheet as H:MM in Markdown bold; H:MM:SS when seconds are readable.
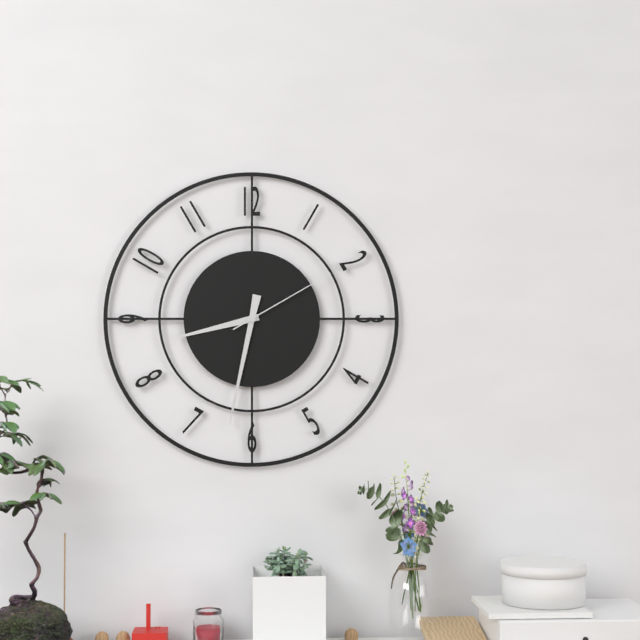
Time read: **8:32:10**
